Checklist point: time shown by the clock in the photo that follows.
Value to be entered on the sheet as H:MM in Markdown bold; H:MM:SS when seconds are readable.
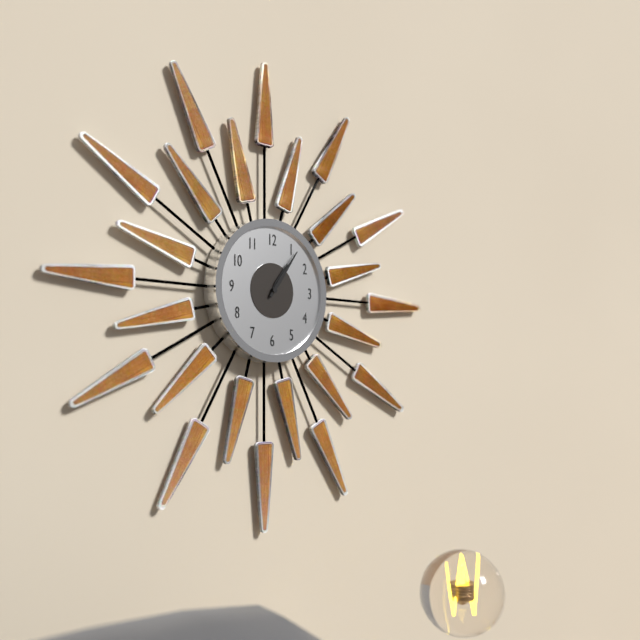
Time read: **1:06**
